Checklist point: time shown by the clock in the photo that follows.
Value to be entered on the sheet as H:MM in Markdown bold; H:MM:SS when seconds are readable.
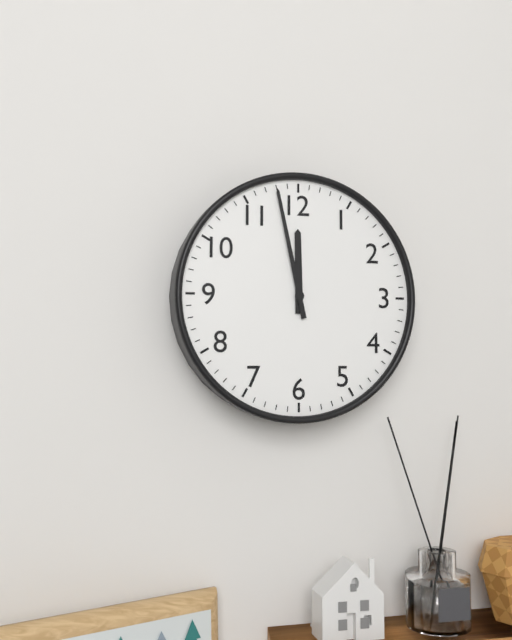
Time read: **11:58**
